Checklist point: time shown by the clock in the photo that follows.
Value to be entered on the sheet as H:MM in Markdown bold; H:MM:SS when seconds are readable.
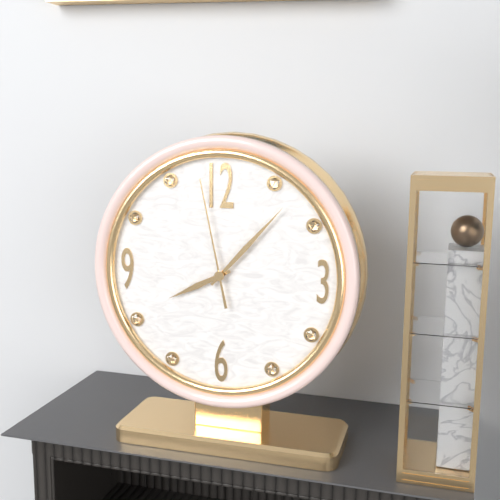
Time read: **8:07:58**
